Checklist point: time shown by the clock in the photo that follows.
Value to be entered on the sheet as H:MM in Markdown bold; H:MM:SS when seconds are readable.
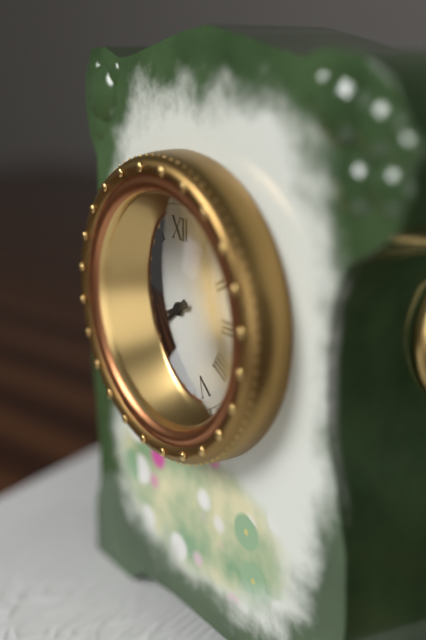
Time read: **7:41**
